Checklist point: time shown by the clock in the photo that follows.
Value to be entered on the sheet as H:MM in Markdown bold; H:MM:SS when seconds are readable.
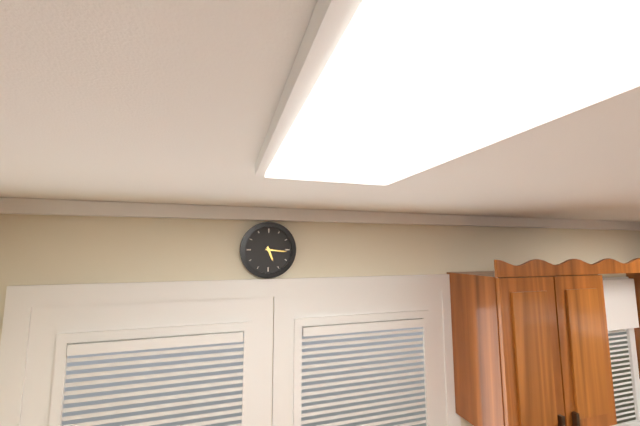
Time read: **5:16**
